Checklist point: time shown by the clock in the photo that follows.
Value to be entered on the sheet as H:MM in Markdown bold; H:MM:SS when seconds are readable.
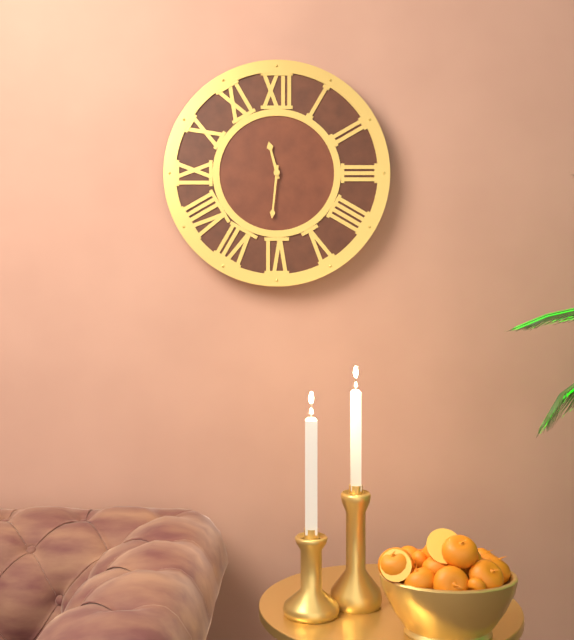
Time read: **11:31**
